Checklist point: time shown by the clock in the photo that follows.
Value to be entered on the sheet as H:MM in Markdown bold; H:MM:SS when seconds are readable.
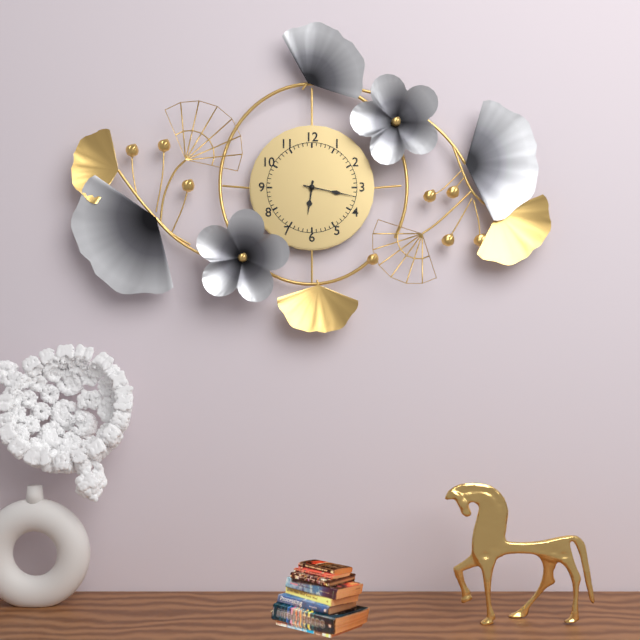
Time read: **6:17**
